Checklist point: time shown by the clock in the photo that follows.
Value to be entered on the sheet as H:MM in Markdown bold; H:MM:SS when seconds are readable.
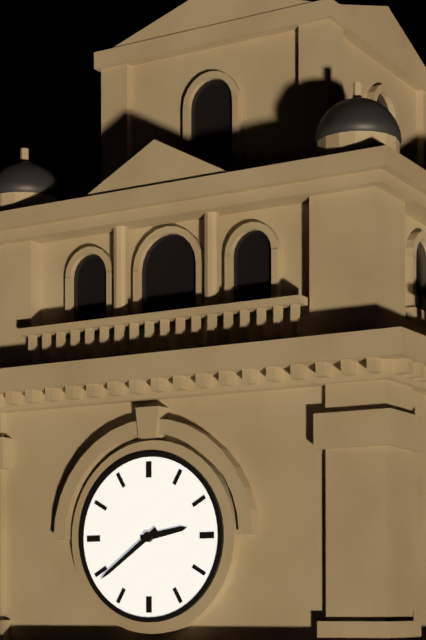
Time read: **2:39**
